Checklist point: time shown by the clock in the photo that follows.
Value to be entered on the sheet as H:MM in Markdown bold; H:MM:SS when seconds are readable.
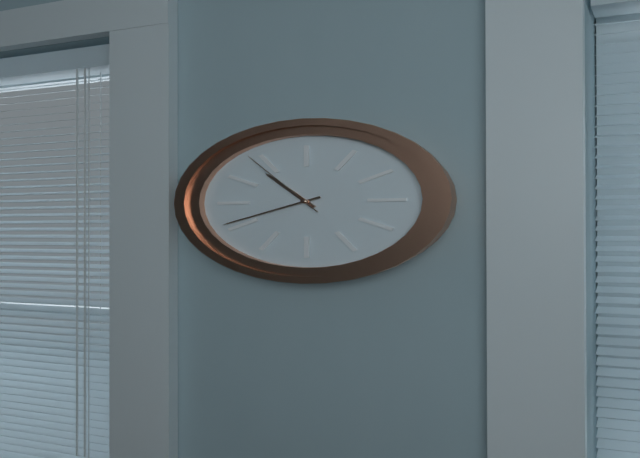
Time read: **10:41:54**
